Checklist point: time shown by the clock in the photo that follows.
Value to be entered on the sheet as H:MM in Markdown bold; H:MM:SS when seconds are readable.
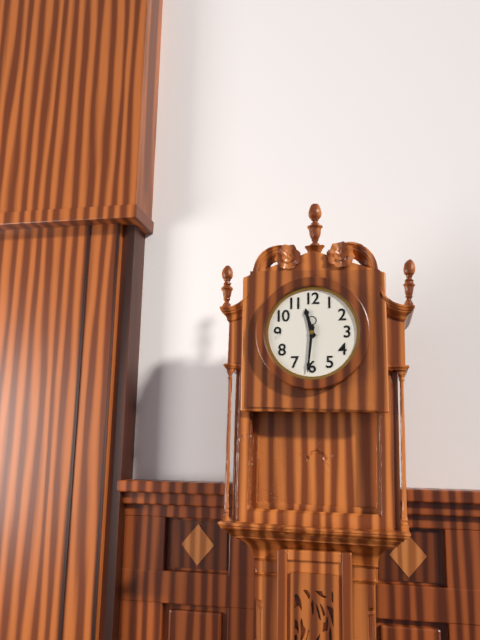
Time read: **11:31**
